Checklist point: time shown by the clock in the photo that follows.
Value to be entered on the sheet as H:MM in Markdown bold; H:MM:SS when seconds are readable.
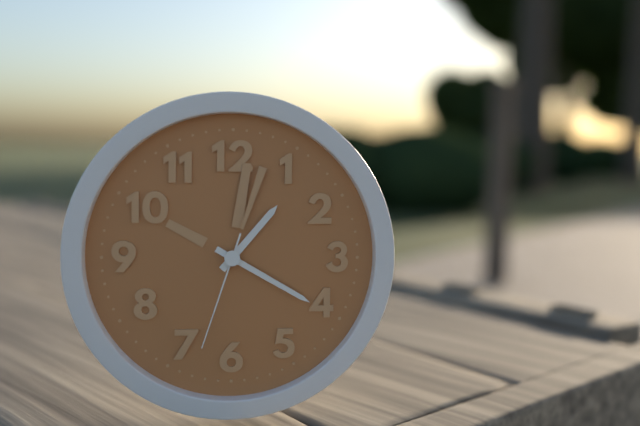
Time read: **1:20:33**
